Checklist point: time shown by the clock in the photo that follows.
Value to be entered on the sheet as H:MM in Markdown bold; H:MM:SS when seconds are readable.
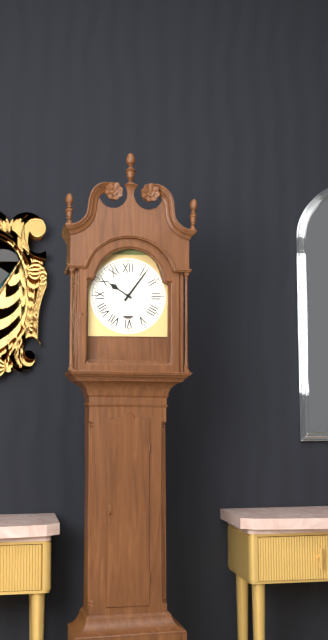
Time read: **10:06**
